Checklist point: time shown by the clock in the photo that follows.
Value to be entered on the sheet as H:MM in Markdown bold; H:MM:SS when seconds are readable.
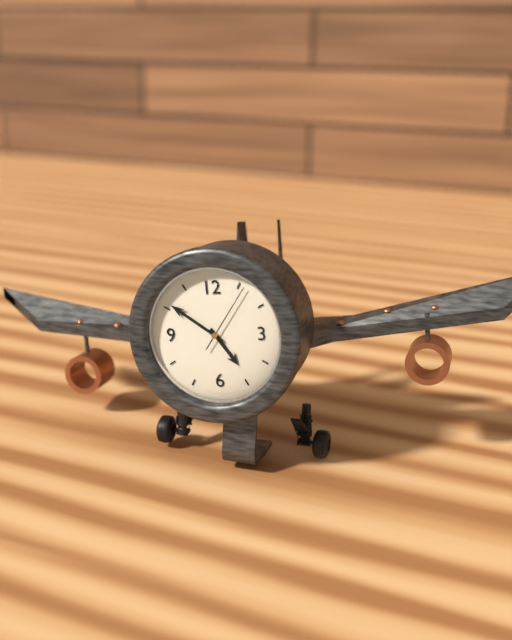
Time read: **4:51:06**
